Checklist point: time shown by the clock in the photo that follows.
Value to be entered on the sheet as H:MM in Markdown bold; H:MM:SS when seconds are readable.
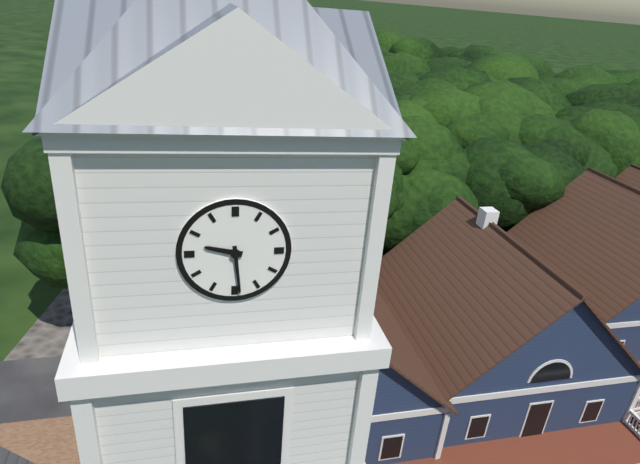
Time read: **9:29**
